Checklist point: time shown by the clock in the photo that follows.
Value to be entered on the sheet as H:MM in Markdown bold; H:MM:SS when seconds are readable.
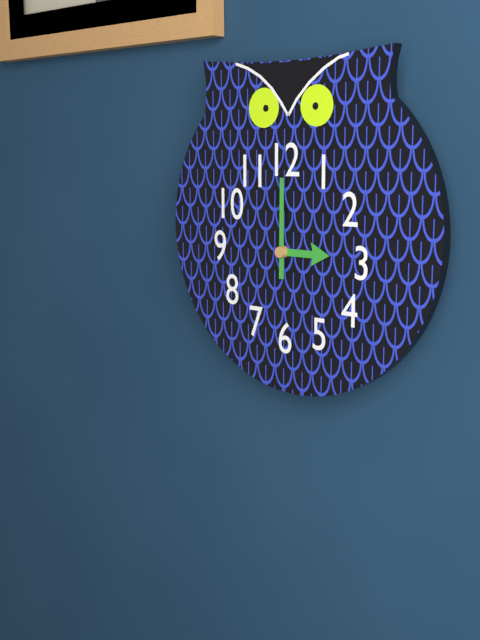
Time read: **3:00**
